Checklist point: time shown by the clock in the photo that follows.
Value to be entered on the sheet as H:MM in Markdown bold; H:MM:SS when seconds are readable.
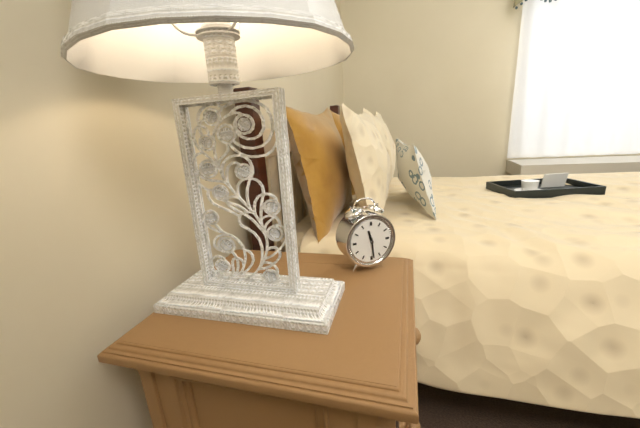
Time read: **11:29**
